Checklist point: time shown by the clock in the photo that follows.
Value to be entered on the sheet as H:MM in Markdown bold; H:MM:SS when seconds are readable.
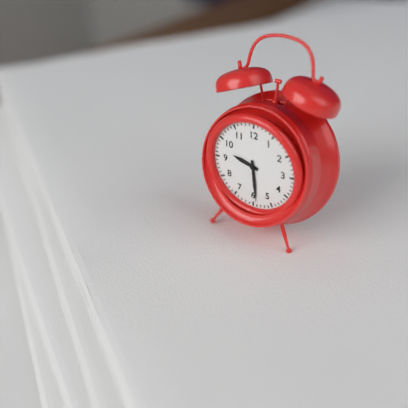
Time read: **9:29**
